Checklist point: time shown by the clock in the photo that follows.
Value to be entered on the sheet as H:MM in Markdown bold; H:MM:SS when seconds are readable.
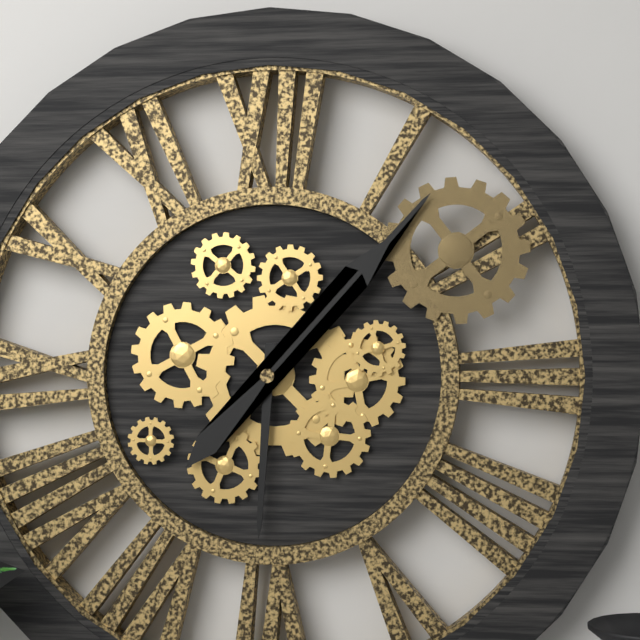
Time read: **6:07**
